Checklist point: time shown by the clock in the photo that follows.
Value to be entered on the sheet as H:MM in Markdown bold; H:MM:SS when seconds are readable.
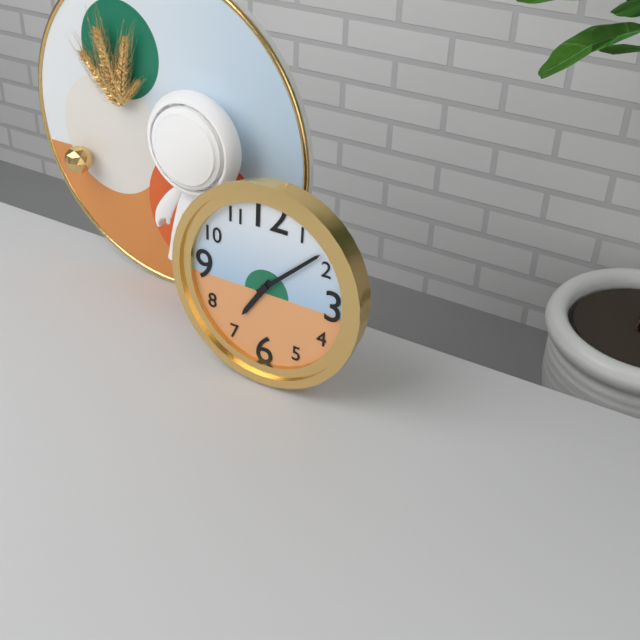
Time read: **7:08**
